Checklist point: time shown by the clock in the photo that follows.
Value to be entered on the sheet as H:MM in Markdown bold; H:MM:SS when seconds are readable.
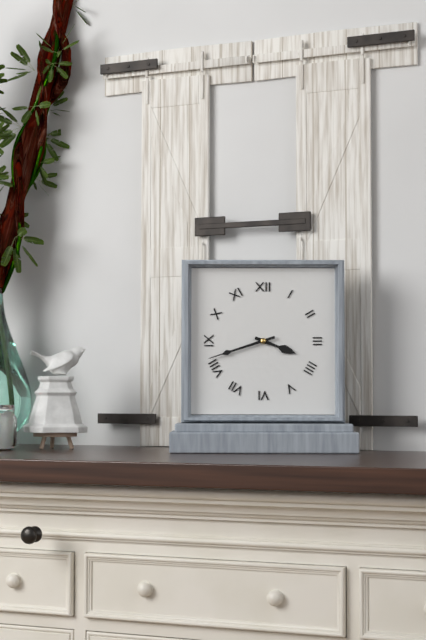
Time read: **3:42**
